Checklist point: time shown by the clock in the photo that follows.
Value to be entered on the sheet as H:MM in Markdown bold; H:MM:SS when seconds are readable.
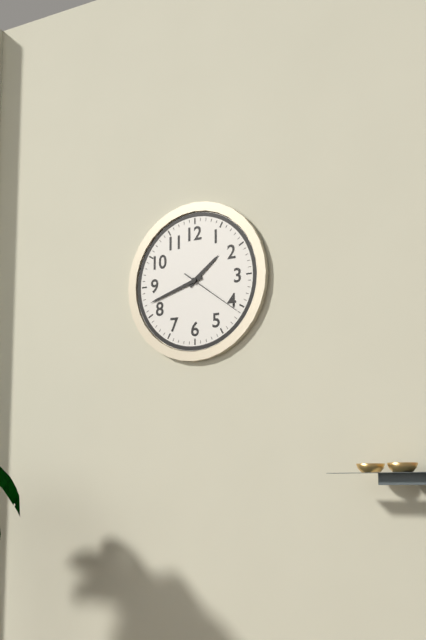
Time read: **1:42:21**
